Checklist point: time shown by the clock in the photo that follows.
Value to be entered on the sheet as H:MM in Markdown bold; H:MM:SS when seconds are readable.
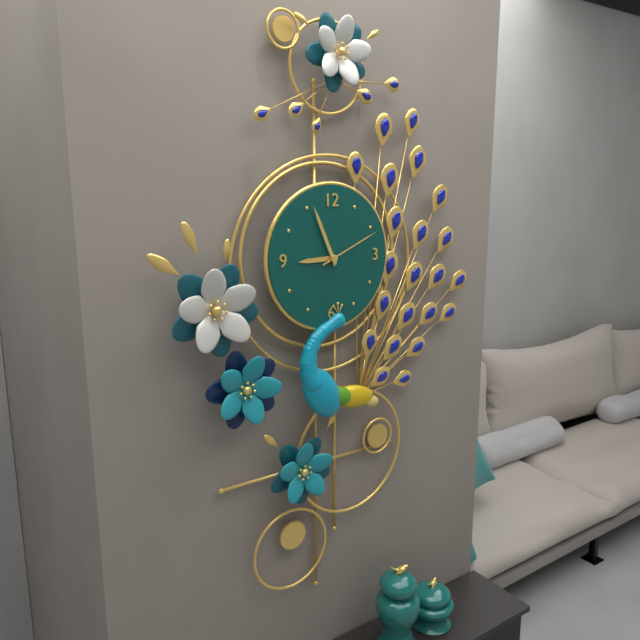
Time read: **8:56:11**
